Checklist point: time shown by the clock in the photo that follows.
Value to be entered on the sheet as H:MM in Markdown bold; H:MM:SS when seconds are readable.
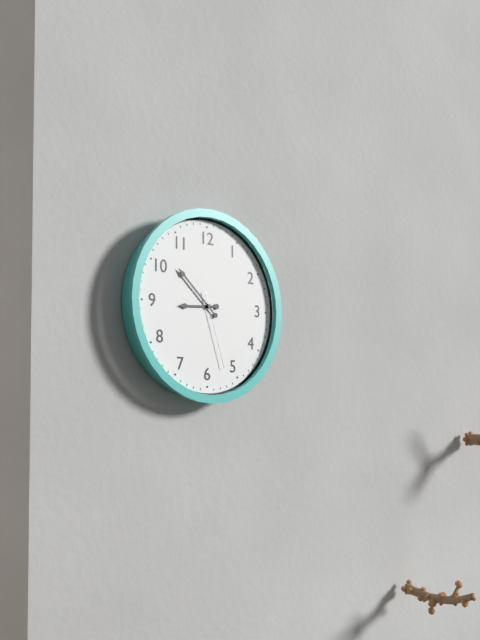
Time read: **8:52:27**
